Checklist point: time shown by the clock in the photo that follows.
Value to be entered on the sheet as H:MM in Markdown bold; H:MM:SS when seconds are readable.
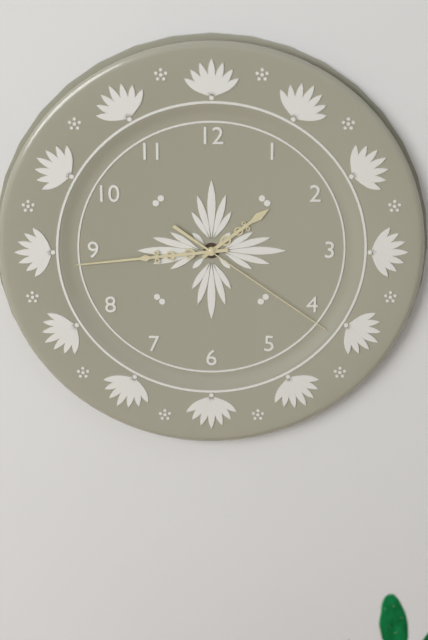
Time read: **1:44:21**
